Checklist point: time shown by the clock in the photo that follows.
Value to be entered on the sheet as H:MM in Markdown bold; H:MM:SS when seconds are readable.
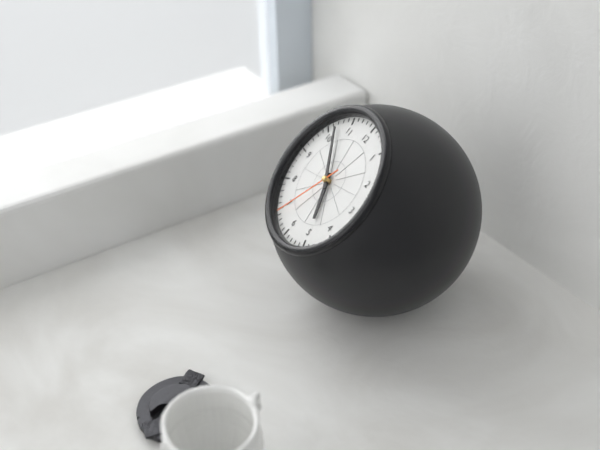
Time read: **4:52:34**
